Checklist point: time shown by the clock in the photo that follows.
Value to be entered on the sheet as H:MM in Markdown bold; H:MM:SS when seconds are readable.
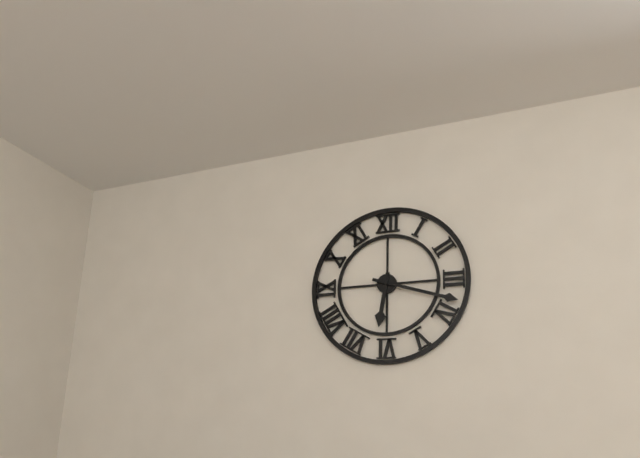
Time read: **6:18**
